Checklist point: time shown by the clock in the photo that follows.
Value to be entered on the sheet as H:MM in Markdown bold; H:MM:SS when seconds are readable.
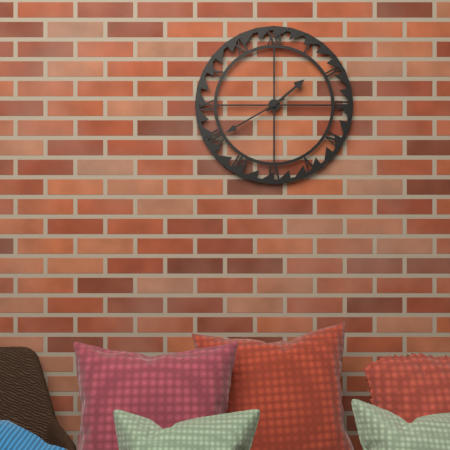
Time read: **1:40**
